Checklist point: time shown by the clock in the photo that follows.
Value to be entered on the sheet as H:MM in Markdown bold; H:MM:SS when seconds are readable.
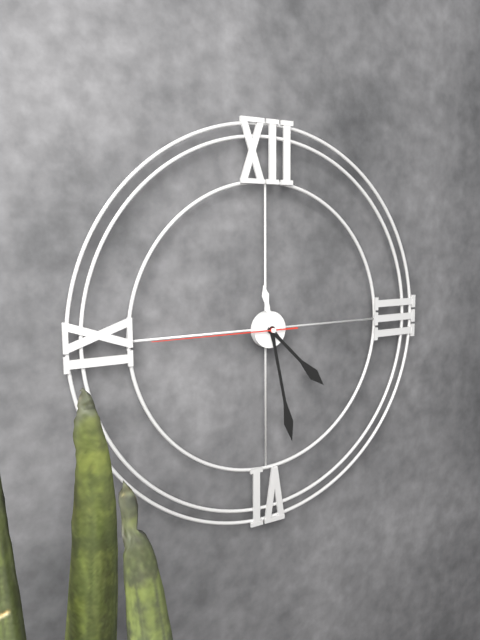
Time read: **4:28:45**
